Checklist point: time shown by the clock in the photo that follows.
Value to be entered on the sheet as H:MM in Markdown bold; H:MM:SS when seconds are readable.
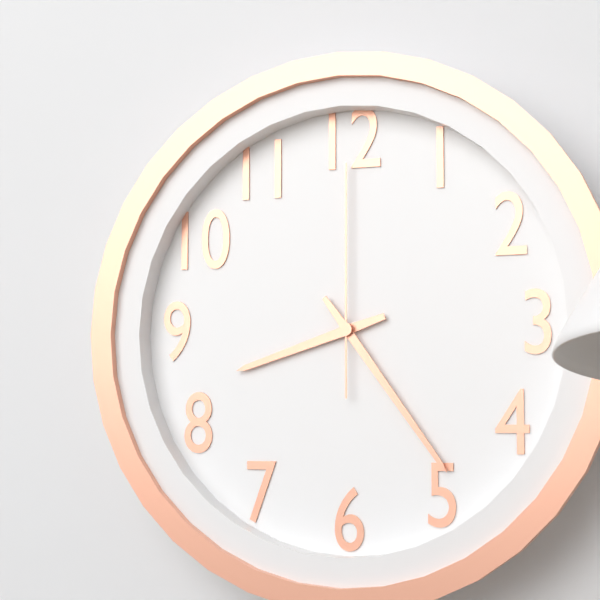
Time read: **8:24:00**
